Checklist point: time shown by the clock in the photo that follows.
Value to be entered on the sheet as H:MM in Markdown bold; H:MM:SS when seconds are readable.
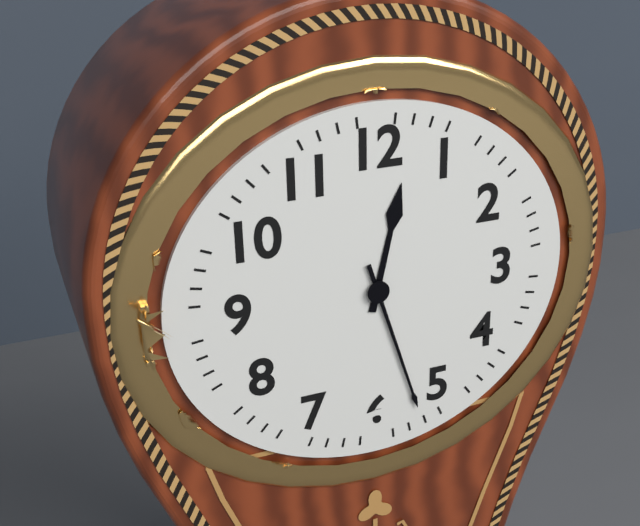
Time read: **12:27**
